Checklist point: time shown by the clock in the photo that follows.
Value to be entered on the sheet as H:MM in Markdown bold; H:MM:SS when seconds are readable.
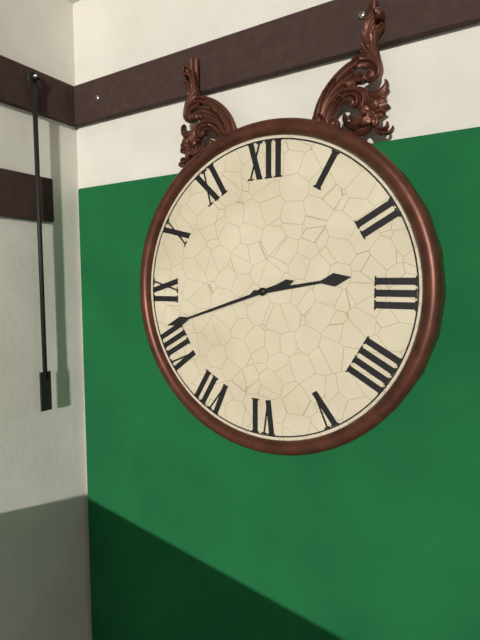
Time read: **2:42**
